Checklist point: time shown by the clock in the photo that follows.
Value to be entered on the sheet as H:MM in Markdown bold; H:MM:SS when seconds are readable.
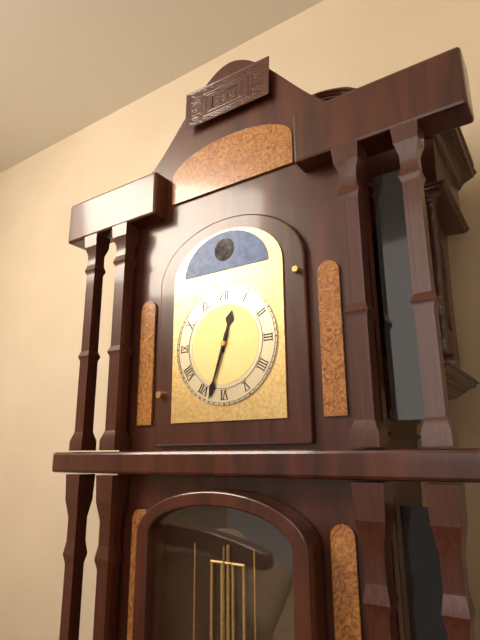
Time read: **12:33**
